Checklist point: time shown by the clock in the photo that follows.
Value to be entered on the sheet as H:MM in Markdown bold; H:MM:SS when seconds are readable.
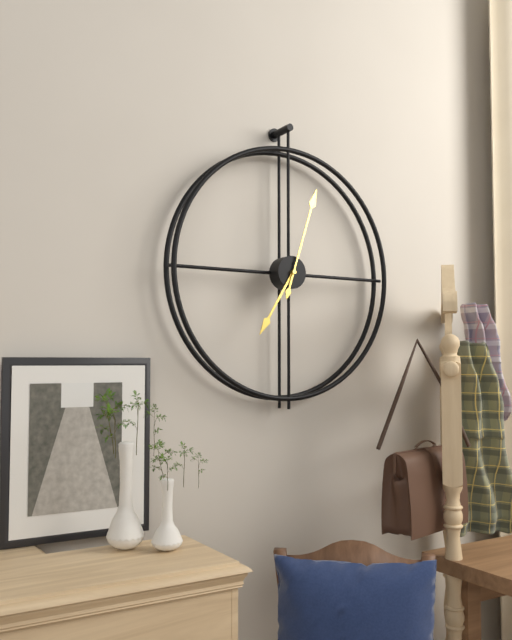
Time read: **7:03**
